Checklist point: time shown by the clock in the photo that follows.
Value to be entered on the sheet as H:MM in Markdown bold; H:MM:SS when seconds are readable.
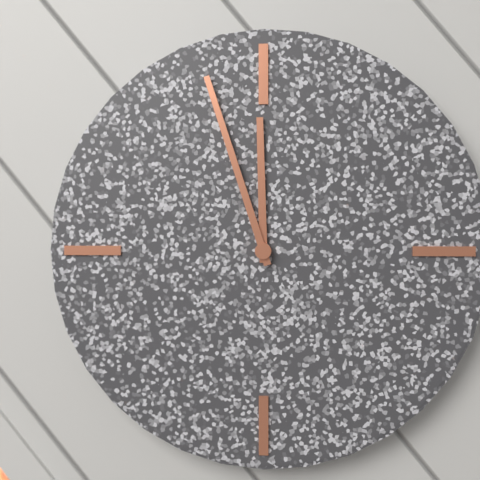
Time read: **11:57**
